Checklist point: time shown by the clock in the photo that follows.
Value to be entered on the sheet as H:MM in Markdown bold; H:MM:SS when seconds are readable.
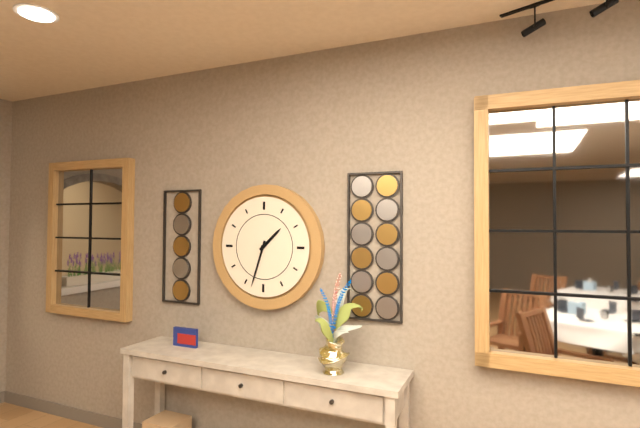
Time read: **1:33**
